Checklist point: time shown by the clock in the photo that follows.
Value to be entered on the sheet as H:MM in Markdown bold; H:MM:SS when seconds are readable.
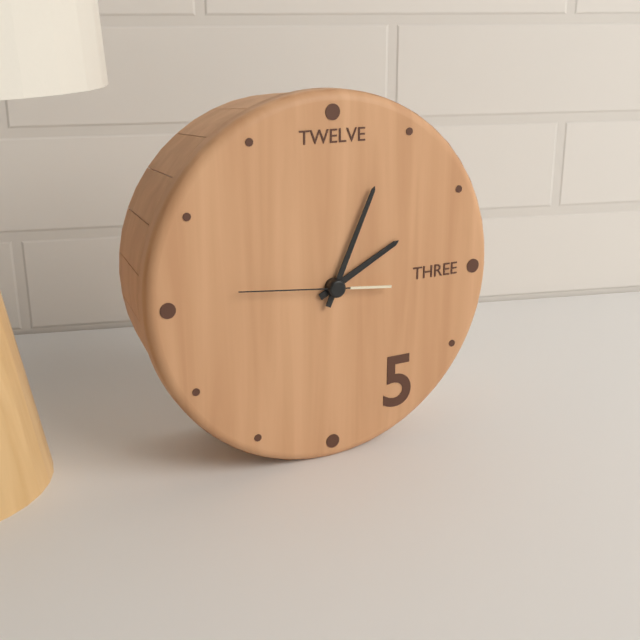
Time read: **2:04:46**
